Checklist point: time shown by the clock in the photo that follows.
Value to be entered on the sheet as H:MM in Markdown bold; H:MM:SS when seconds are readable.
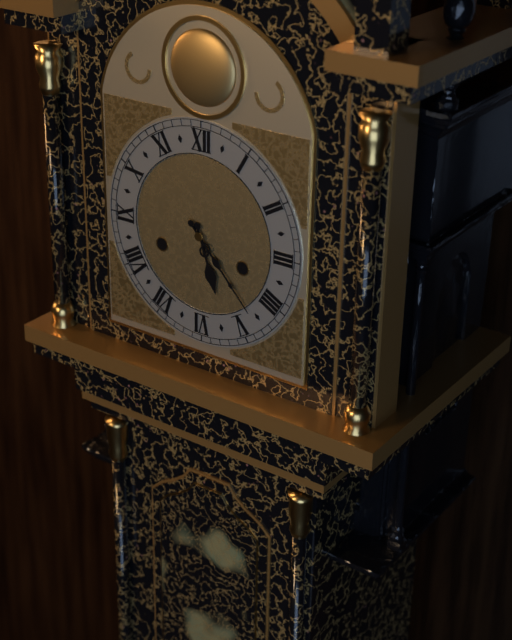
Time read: **5:23**
